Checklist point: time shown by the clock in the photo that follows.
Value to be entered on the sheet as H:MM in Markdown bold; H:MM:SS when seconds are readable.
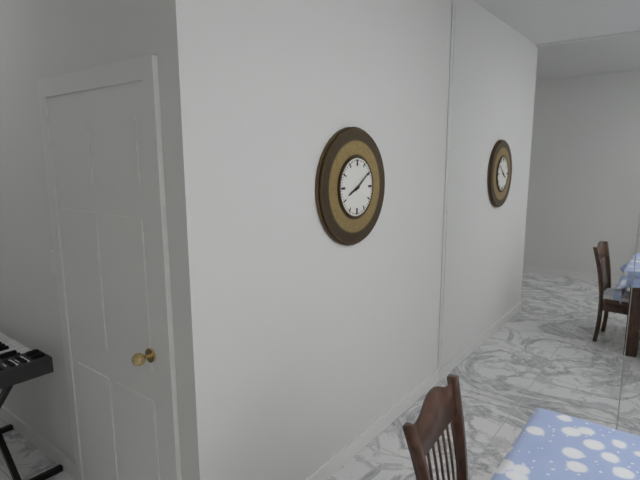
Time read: **8:09**
